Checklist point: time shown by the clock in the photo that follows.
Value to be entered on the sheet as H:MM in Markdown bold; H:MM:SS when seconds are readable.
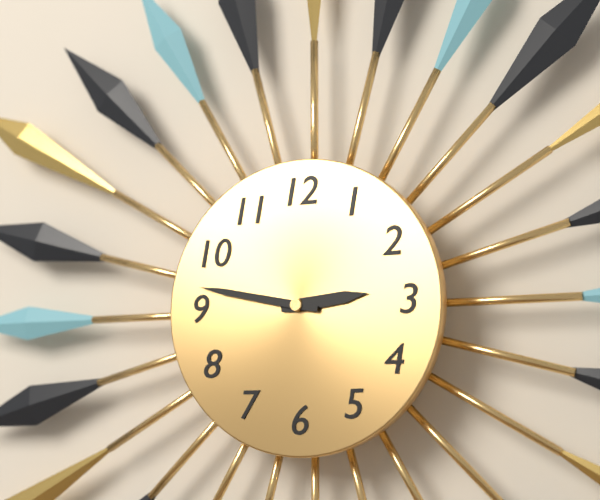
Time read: **2:47**
